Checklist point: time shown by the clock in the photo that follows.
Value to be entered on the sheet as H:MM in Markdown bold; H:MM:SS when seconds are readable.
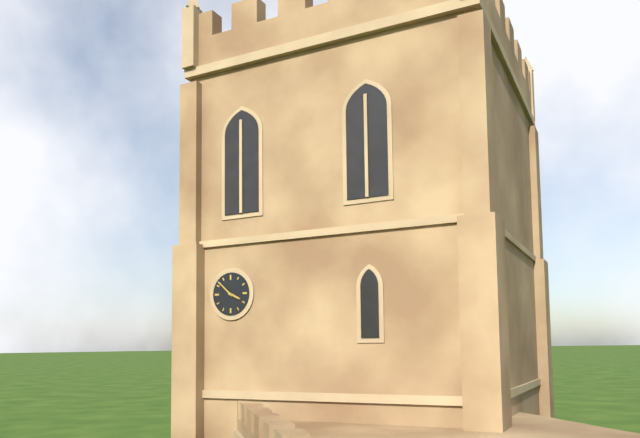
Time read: **3:52**
